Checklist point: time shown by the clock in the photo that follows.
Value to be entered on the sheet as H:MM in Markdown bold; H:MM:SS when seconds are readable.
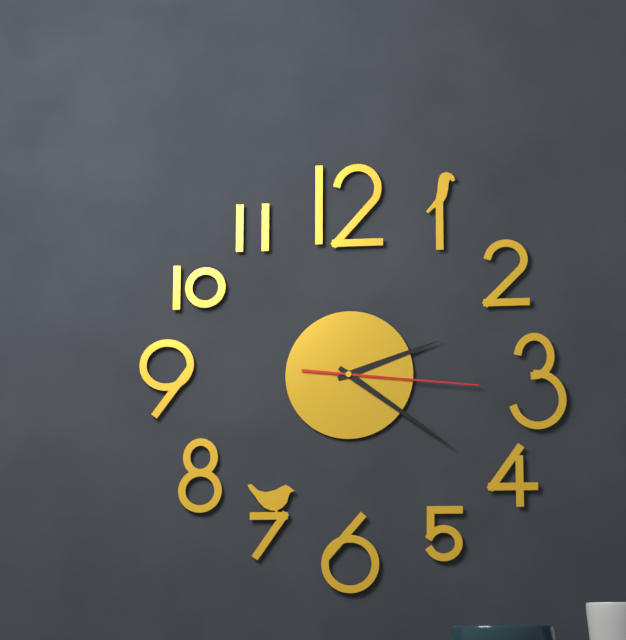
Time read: **2:21:16**
